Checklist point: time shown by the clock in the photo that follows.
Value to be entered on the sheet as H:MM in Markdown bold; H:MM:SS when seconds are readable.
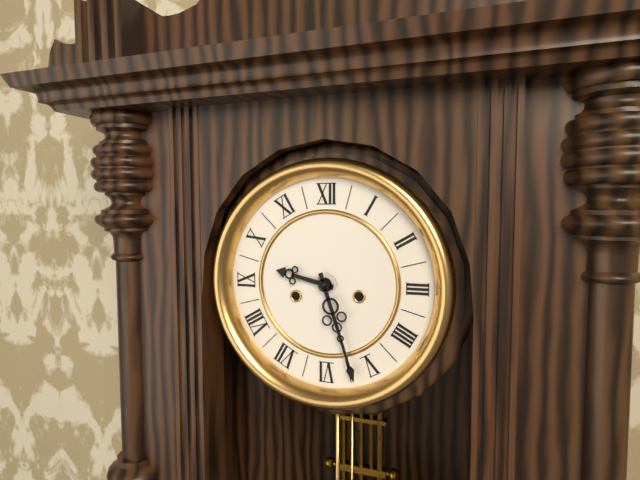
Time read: **9:27**
